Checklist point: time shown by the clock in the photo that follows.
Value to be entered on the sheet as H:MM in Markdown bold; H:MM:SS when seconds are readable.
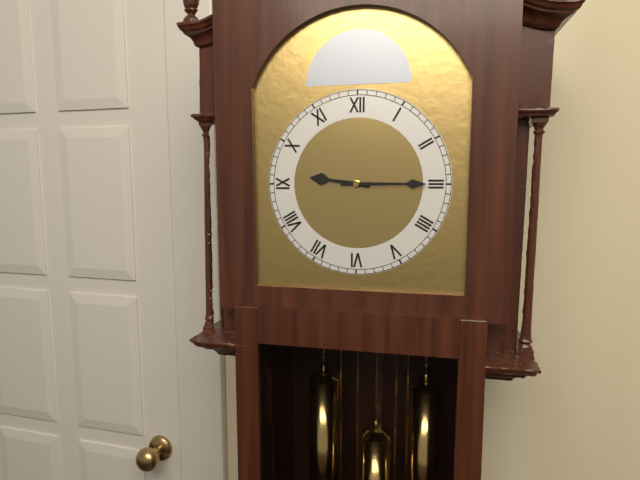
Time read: **9:15**
